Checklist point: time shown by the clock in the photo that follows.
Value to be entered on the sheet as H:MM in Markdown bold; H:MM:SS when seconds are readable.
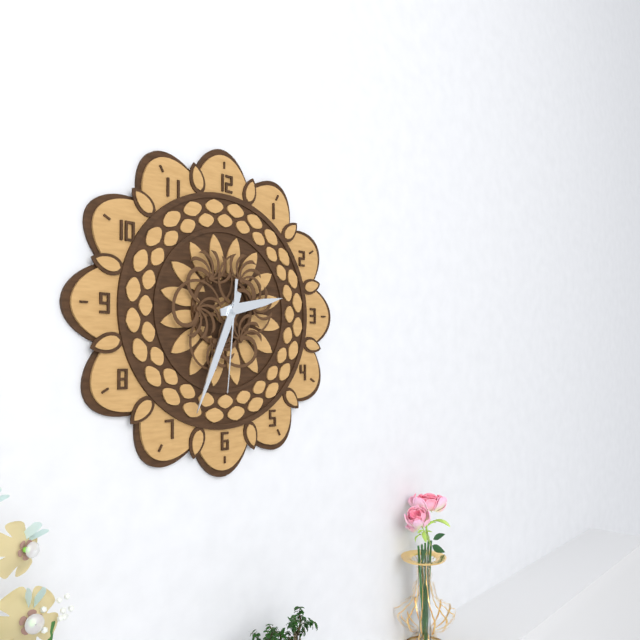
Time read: **2:34:31**
